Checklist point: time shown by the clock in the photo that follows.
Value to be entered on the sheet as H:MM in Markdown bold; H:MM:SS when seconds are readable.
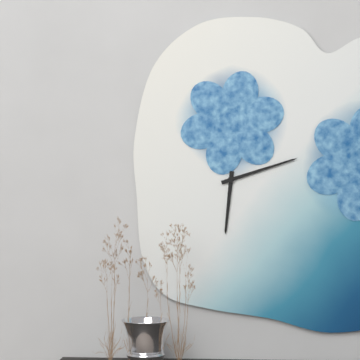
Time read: **6:12**
